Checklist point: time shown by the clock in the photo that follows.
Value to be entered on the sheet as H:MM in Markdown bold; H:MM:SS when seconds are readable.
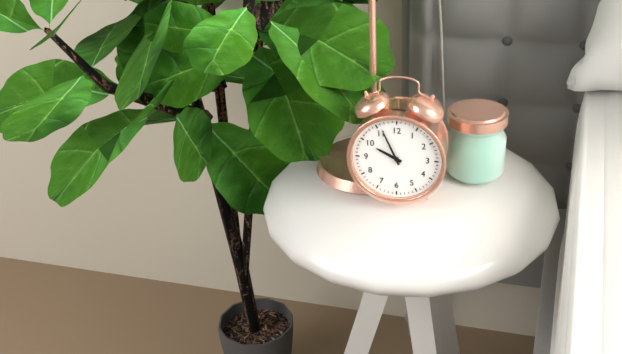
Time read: **9:56**
